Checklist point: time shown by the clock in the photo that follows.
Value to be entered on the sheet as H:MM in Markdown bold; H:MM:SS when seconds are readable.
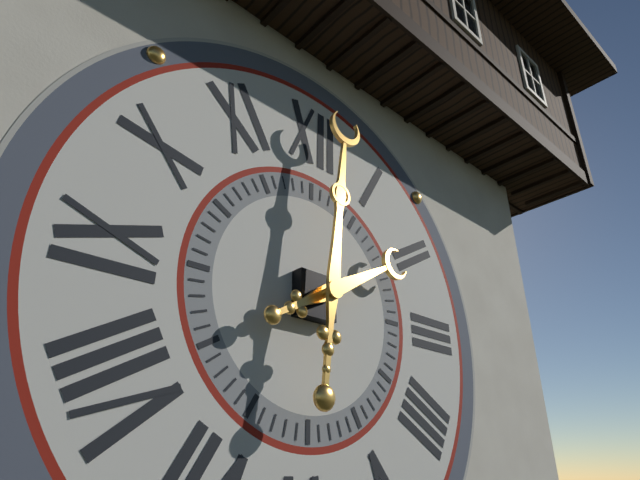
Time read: **2:01**
